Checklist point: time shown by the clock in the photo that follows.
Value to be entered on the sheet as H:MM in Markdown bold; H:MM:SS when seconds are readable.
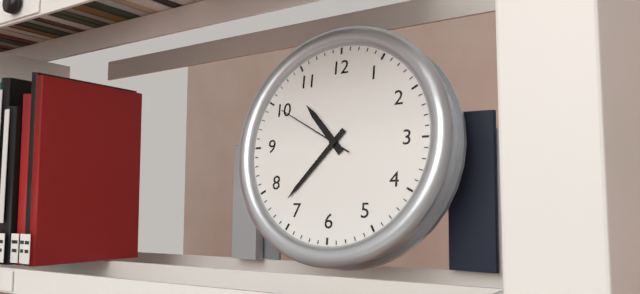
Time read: **10:37:50**
